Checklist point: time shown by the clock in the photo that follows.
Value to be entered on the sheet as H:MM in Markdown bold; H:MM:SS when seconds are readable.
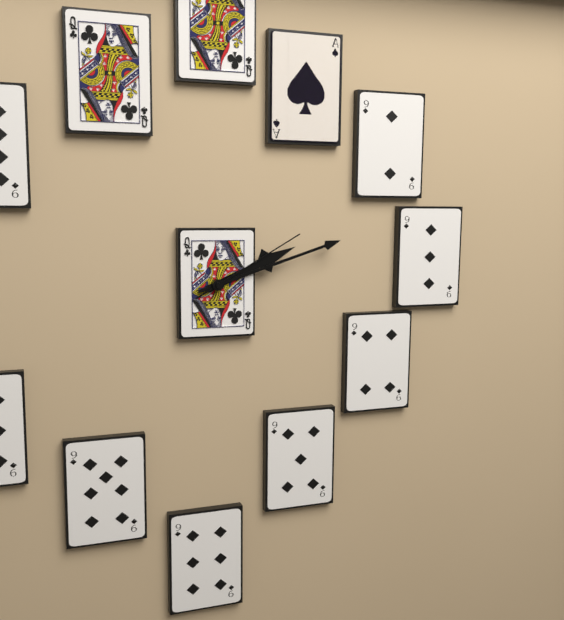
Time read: **2:12:10**
